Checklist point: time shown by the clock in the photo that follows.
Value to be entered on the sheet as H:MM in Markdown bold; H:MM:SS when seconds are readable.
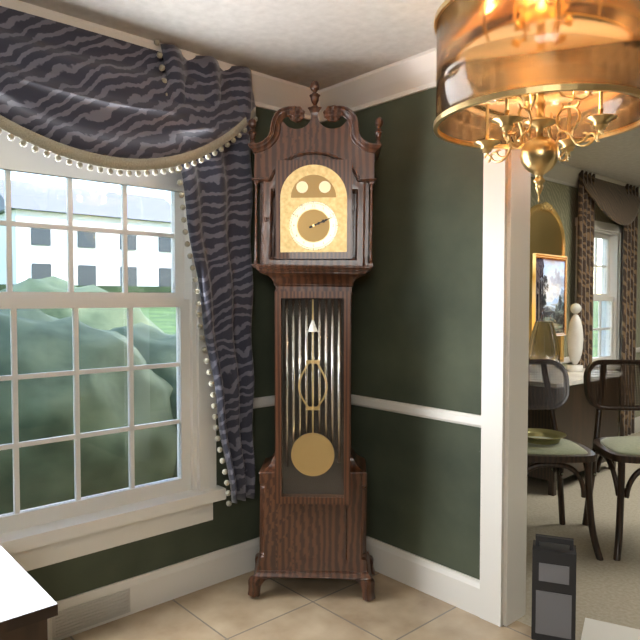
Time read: **2:11**
